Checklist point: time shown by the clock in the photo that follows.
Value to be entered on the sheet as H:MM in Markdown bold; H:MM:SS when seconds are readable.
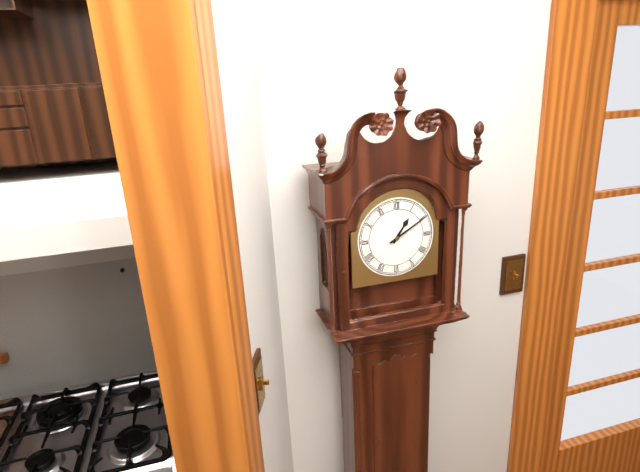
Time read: **1:10**
